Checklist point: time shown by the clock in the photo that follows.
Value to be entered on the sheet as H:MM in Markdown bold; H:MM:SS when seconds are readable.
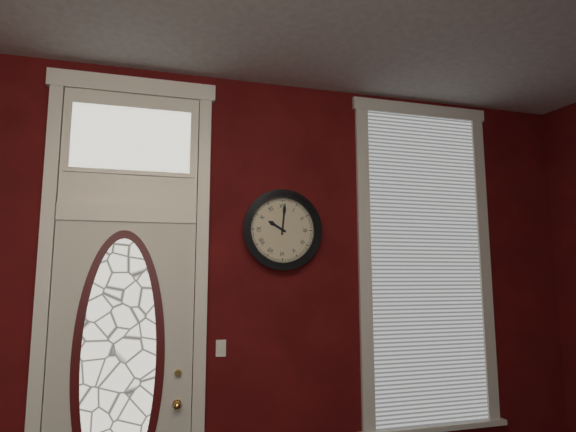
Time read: **10:01**
